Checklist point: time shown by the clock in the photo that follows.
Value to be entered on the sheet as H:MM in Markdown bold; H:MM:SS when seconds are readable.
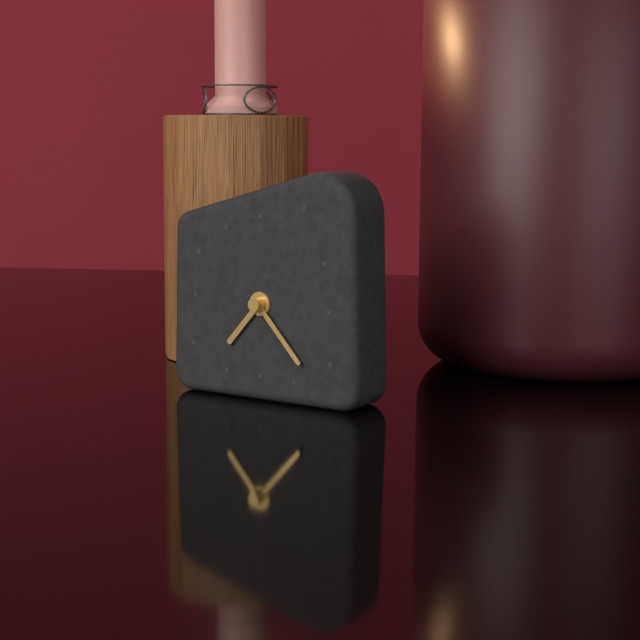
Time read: **7:23**
